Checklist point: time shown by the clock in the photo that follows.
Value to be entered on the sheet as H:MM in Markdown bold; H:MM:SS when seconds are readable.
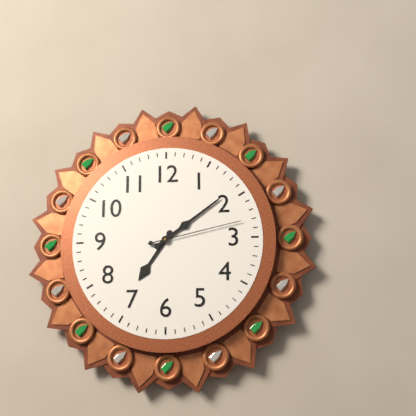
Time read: **7:09:13**
